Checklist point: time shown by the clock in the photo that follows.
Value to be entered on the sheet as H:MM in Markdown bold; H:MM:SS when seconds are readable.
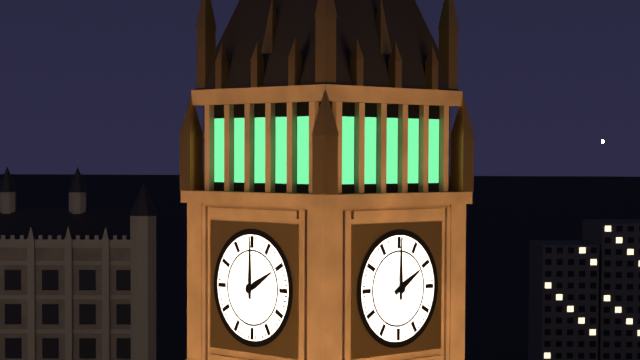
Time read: **2:00**
